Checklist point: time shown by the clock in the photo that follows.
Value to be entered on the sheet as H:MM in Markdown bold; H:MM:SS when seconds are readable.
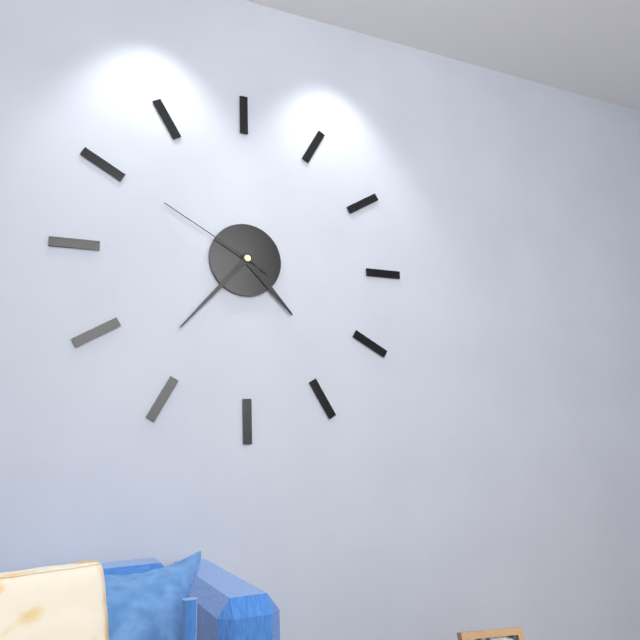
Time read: **4:37:50**
